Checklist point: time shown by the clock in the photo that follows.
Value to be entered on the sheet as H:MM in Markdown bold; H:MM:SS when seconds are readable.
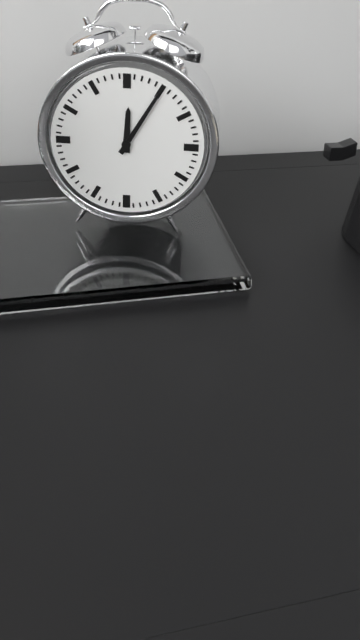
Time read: **12:05**
